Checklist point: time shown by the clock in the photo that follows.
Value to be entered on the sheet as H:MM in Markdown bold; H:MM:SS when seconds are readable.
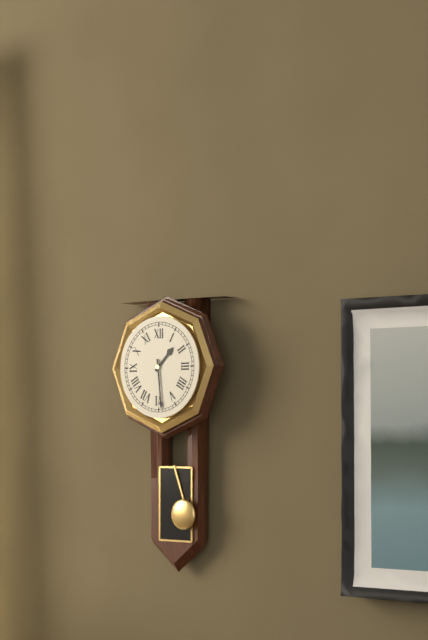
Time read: **1:29**
